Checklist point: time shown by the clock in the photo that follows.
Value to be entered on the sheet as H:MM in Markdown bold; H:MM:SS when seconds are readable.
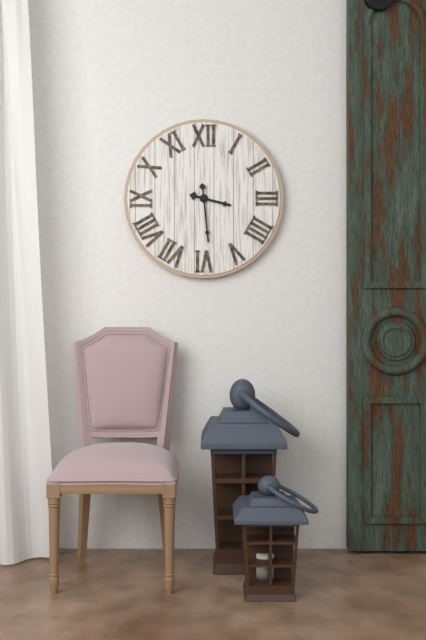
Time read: **3:29**
